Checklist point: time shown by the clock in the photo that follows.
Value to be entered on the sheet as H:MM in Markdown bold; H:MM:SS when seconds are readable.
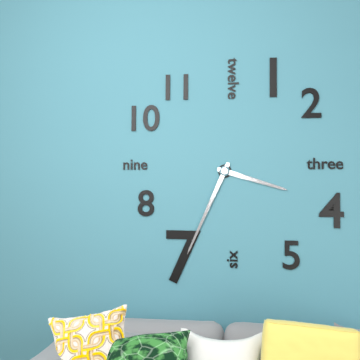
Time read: **3:34**
